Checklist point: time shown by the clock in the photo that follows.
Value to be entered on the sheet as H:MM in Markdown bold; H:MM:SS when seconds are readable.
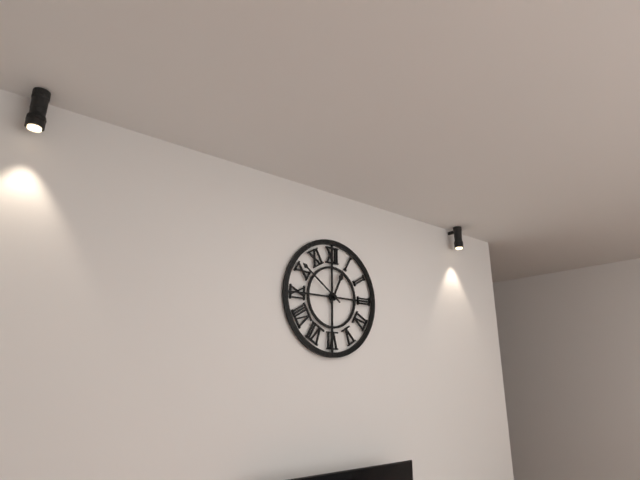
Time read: **12:51**
